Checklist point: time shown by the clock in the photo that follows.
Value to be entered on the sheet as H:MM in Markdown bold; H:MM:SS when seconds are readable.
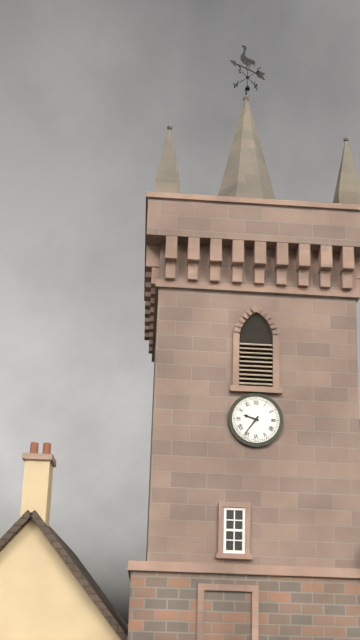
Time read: **9:36**
